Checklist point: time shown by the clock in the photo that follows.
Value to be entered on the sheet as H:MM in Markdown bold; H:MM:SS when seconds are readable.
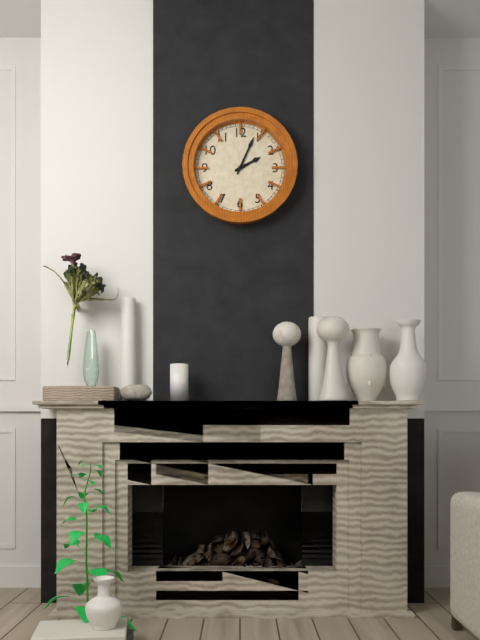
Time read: **2:04**
